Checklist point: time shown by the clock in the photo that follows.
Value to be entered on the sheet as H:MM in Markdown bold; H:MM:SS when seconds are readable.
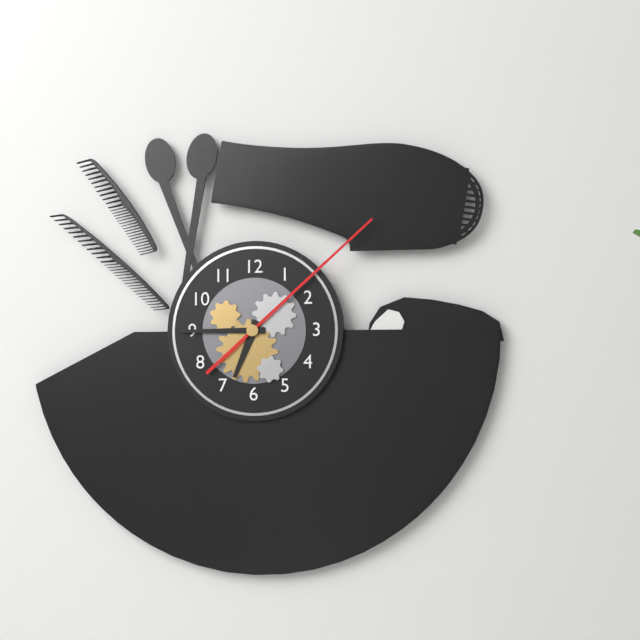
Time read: **6:45:08**
